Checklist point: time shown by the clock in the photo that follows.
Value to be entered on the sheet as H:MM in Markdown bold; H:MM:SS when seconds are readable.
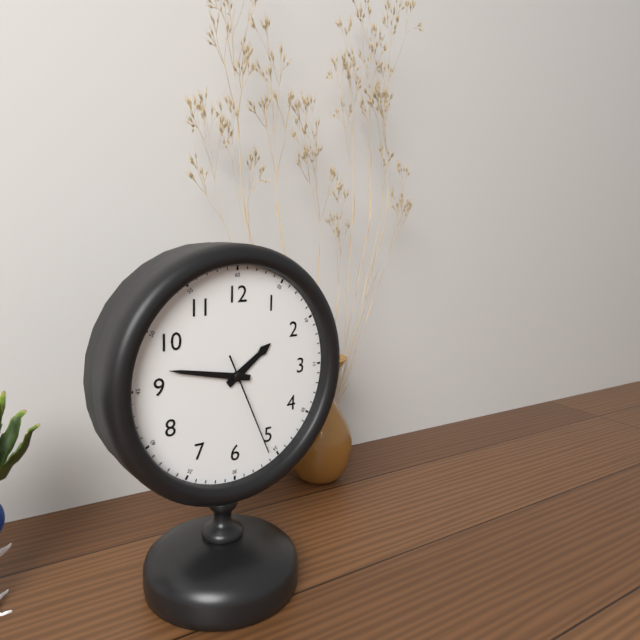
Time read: **1:47:26**
